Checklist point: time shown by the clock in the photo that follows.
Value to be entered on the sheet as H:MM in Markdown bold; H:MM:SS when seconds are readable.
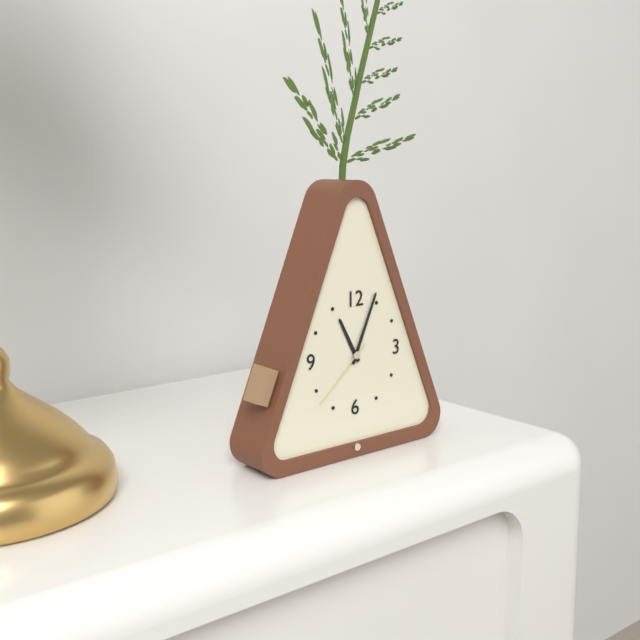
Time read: **11:04:38**
